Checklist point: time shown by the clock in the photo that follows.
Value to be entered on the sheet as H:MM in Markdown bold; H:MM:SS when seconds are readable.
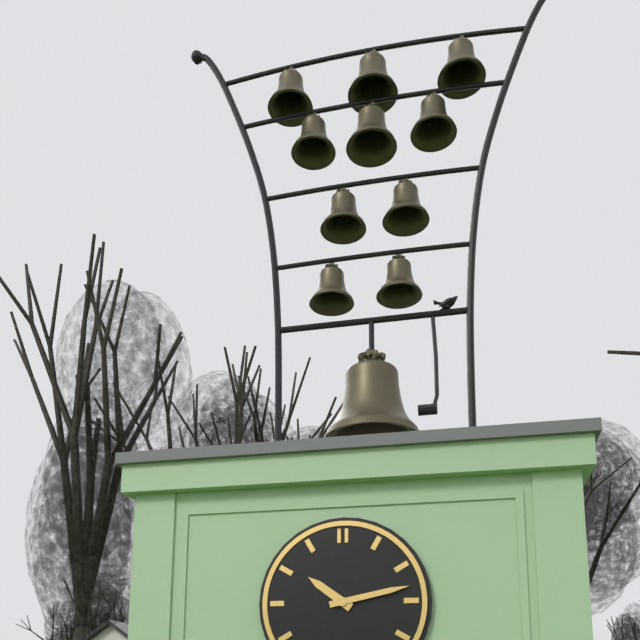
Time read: **10:13**
